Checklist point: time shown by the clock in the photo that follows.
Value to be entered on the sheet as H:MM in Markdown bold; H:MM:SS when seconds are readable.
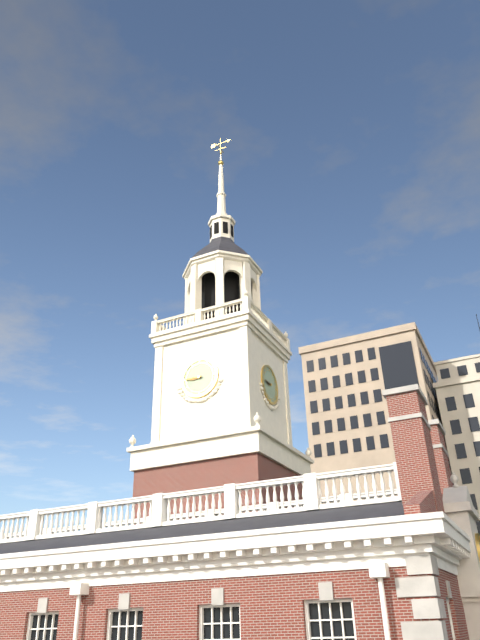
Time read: **8:45**
